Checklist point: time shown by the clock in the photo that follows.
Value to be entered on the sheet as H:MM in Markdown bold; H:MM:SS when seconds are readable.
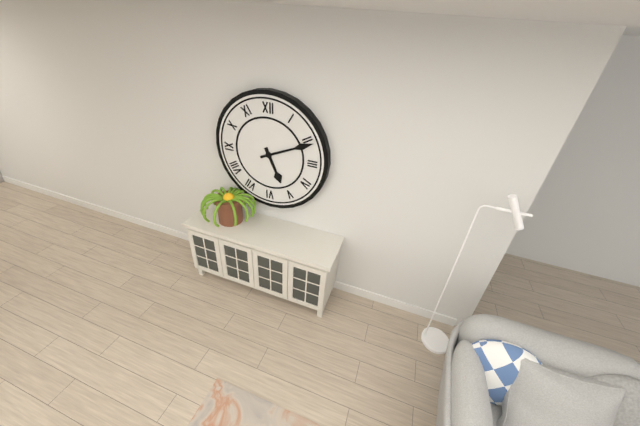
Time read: **5:11**
